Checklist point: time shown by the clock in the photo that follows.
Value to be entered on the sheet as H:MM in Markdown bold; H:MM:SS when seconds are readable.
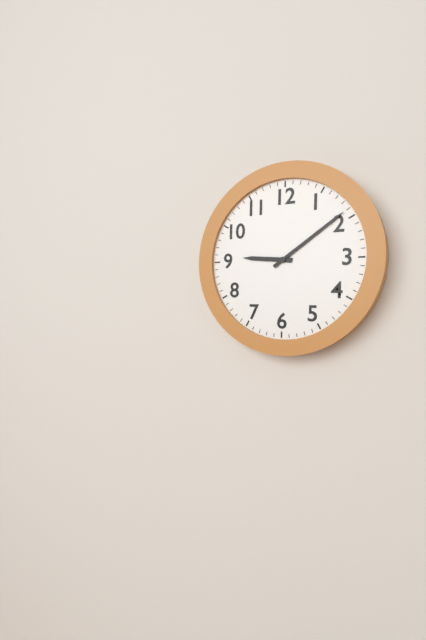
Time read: **9:09**
